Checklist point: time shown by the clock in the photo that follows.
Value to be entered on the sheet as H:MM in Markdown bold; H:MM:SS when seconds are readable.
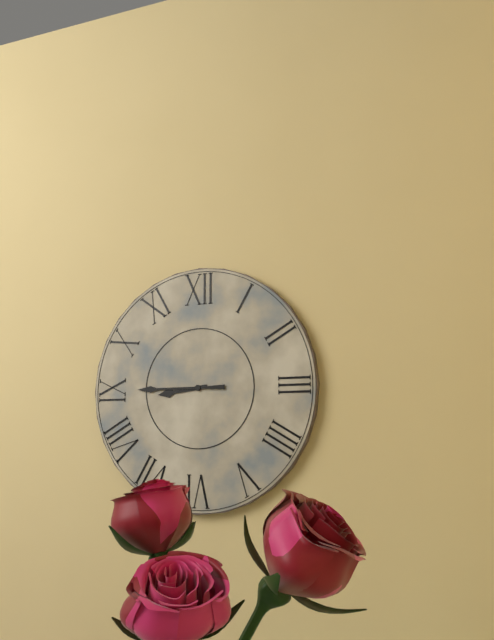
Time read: **8:45**
